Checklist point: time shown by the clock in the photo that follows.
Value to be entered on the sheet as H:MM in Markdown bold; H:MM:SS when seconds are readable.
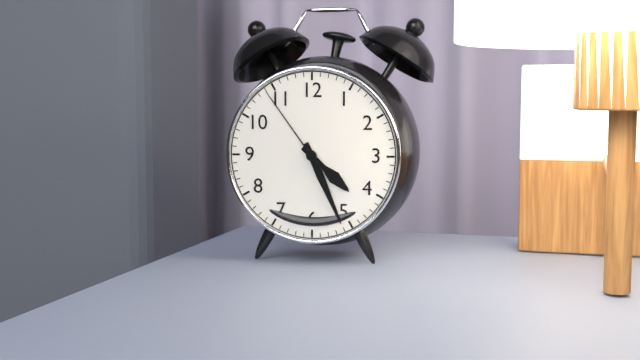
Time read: **4:26:54**
